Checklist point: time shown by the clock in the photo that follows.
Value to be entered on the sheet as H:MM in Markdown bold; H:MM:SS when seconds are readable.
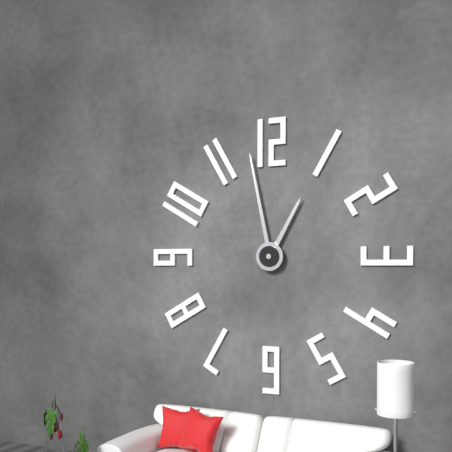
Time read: **12:58**
